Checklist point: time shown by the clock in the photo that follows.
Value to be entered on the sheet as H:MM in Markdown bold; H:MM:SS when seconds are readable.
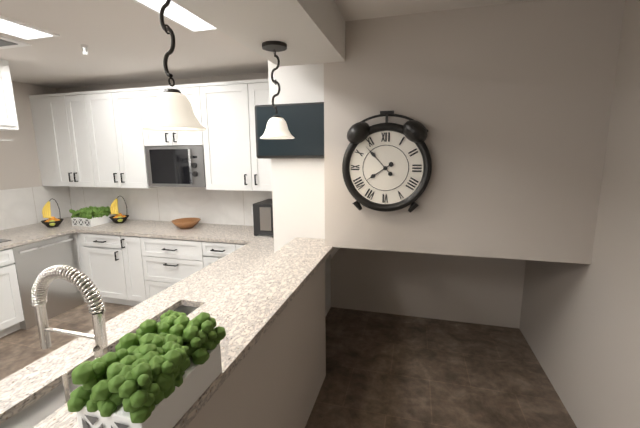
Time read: **7:53**
